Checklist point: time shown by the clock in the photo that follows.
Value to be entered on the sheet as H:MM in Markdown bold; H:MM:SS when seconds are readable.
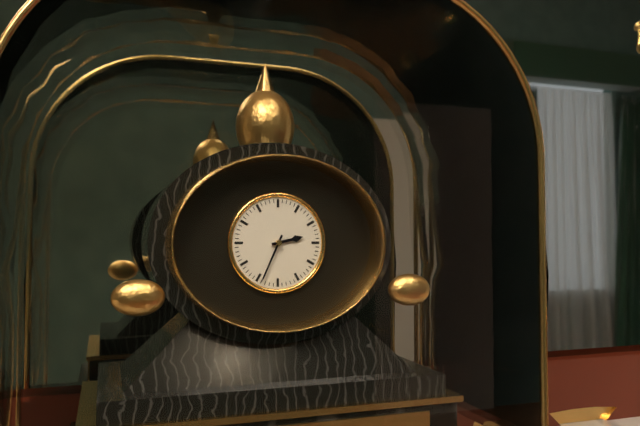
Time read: **2:34**
